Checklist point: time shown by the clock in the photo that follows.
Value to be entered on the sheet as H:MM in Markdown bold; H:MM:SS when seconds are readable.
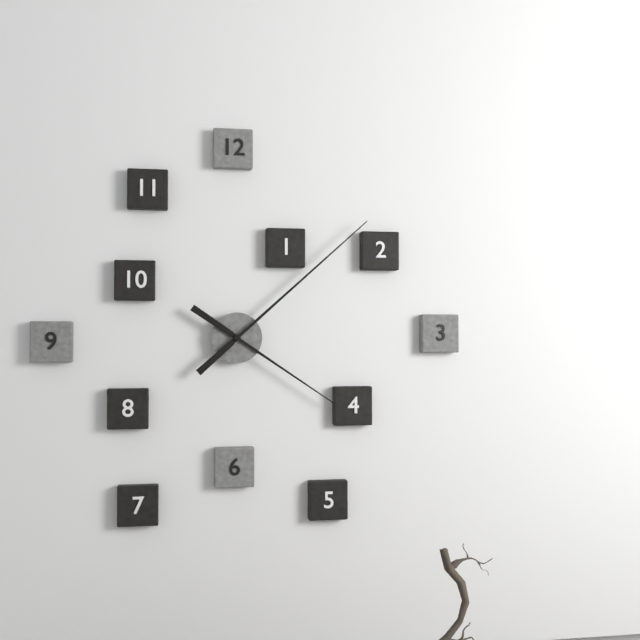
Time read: **4:08**
